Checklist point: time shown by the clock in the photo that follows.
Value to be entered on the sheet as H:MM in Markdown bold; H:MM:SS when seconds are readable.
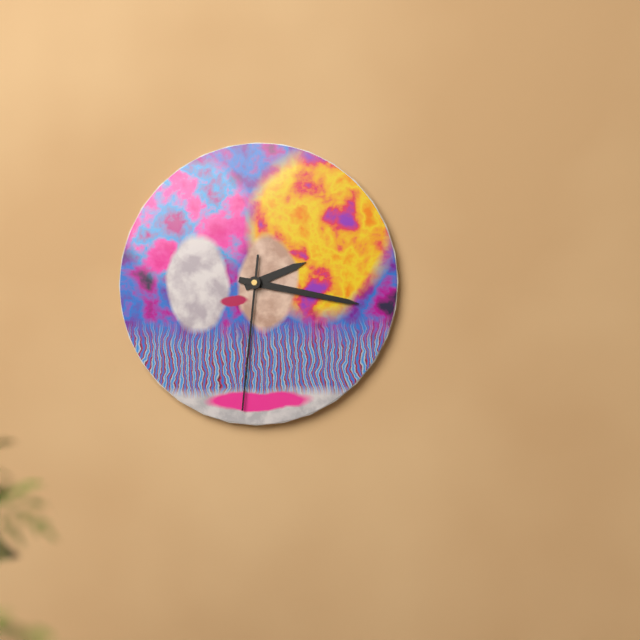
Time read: **2:17:31**
